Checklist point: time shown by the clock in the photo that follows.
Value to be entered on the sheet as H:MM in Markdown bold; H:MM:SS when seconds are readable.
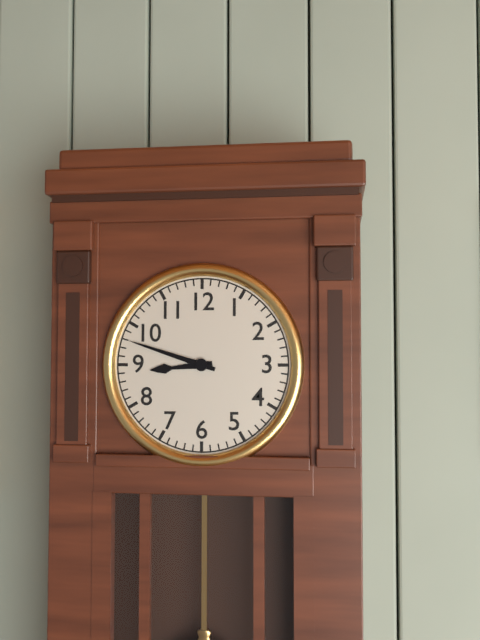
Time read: **8:48**
